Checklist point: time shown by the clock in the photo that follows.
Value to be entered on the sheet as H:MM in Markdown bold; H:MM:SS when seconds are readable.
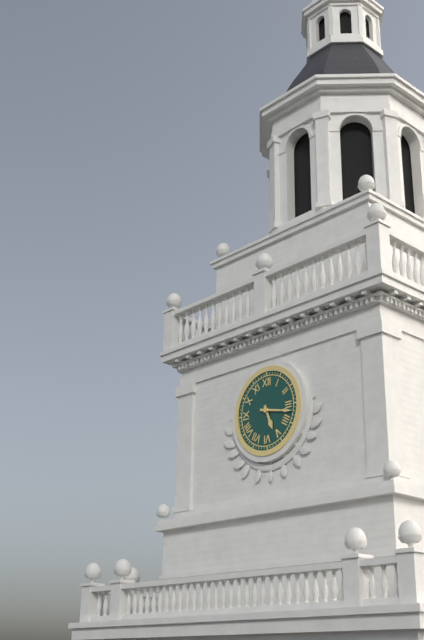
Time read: **5:17**
